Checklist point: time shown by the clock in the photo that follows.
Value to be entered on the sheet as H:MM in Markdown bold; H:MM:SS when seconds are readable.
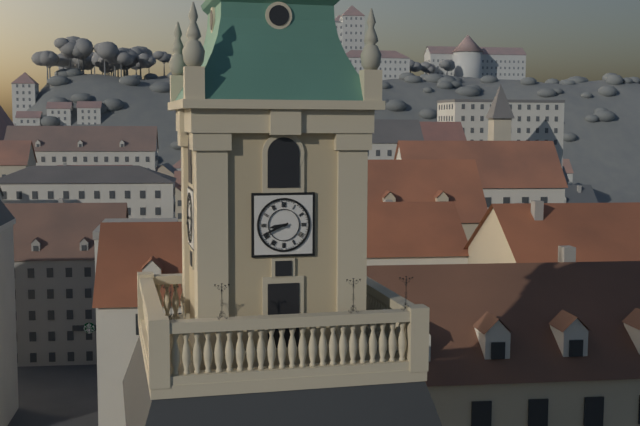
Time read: **8:41**
